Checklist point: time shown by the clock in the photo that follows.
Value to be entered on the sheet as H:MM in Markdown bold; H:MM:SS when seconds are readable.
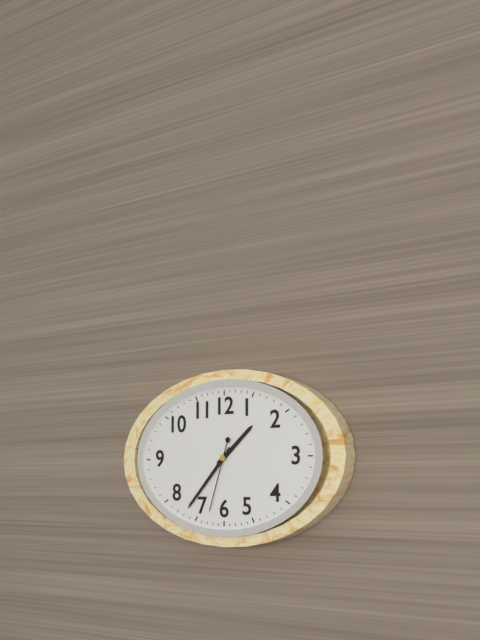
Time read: **1:37:33**
